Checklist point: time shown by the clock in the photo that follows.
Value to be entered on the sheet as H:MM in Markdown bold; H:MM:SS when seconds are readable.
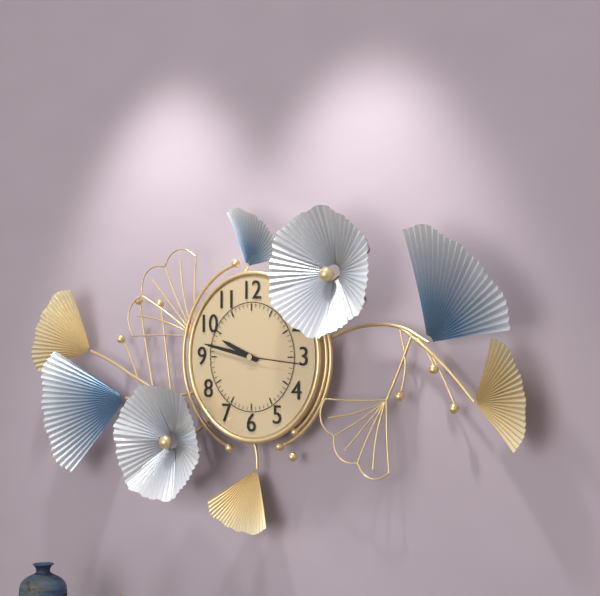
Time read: **9:47:16**
